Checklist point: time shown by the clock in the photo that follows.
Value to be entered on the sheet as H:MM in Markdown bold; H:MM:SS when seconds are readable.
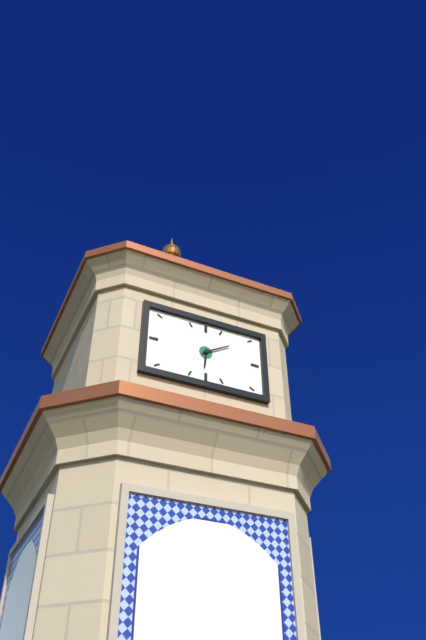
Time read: **6:10**
